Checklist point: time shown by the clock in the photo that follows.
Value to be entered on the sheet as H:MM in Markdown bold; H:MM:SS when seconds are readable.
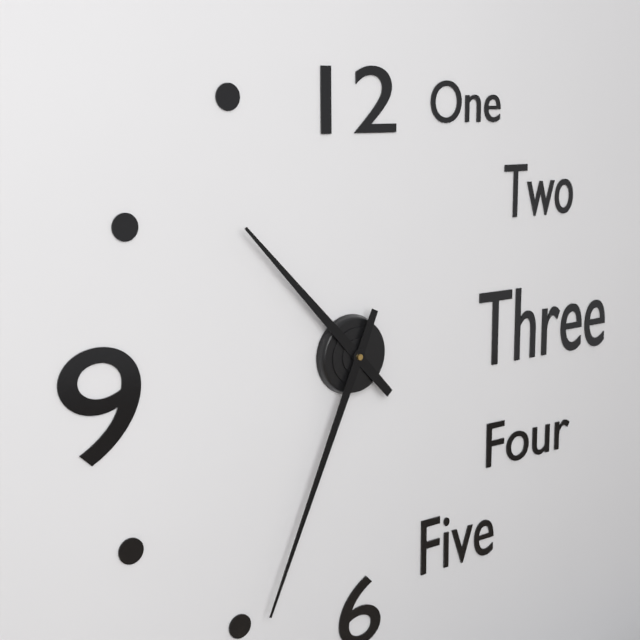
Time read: **10:34**
